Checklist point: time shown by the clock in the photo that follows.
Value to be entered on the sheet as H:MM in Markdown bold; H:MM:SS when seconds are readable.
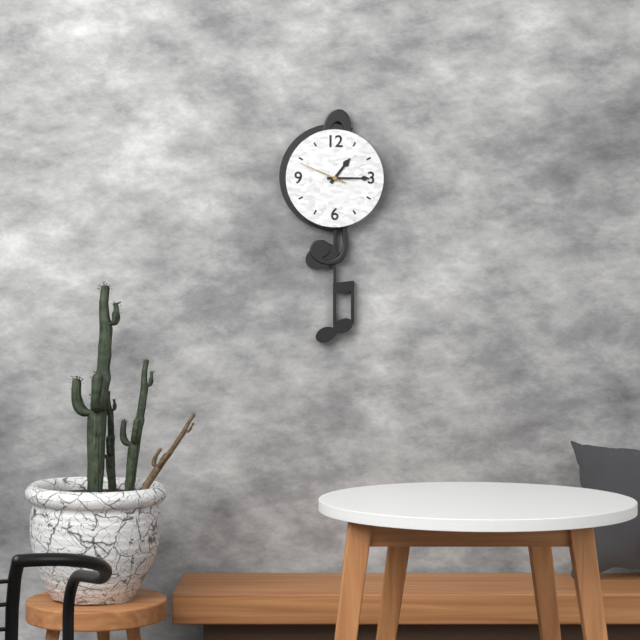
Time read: **1:15**
